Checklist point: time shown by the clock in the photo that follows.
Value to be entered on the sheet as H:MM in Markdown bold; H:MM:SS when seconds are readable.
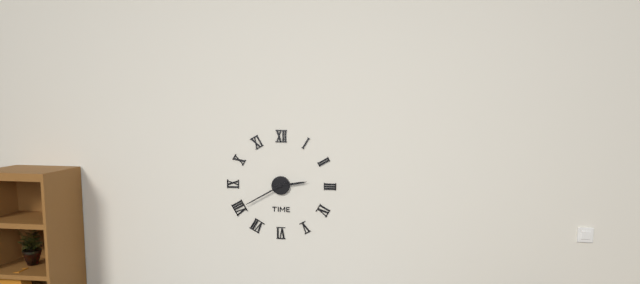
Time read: **2:40**
